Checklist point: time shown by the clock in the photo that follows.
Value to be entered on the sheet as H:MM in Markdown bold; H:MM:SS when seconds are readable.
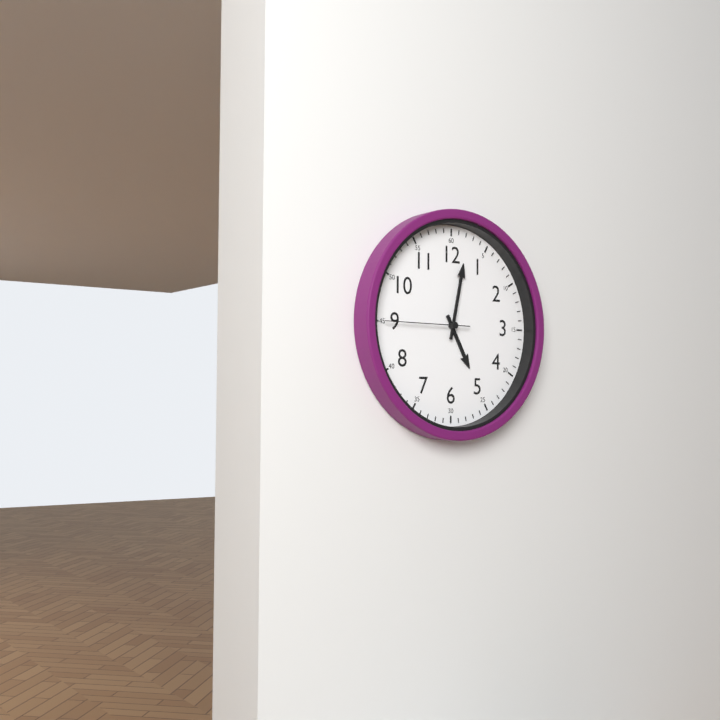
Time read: **5:02:45**
